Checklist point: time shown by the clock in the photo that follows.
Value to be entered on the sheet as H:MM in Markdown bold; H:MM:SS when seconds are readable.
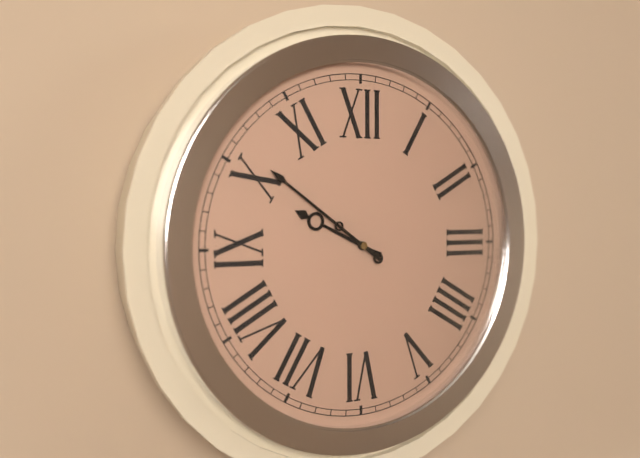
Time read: **9:51**
